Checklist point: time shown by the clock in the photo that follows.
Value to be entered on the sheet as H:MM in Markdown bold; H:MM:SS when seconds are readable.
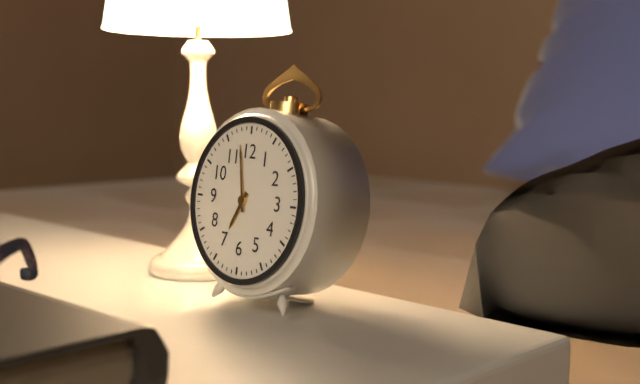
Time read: **6:58**
